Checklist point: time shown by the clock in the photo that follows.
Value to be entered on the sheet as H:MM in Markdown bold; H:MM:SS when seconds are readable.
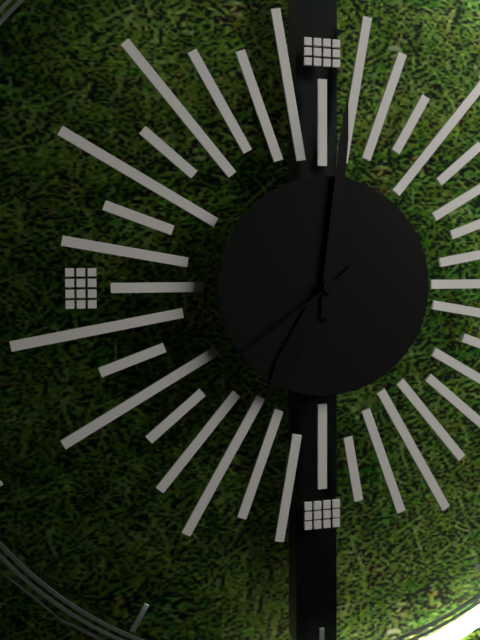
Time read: **7:01:39**
